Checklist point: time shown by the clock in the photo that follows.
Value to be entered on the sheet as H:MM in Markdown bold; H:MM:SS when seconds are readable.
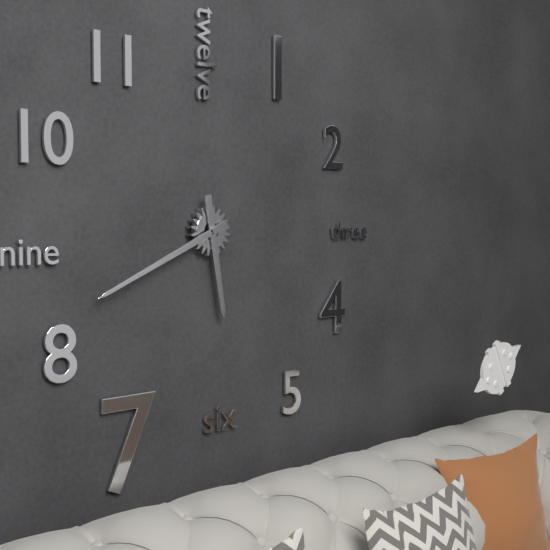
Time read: **5:41**
